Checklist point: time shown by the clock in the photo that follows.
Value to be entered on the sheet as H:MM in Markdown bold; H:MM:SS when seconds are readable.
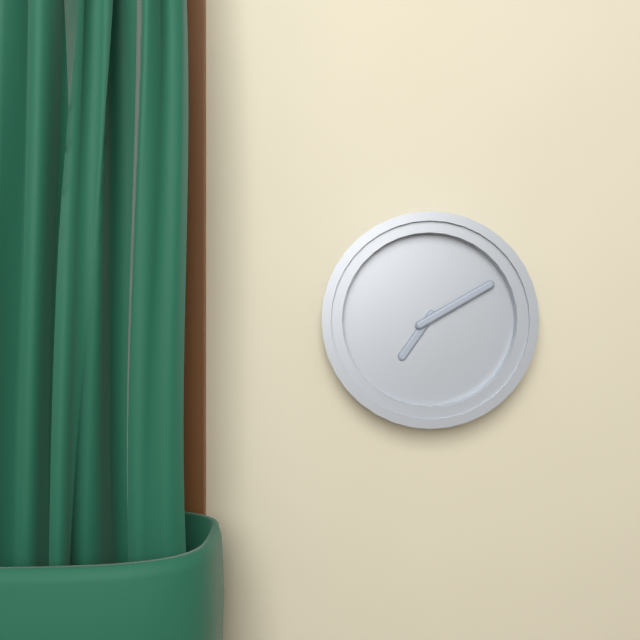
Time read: **7:10**
